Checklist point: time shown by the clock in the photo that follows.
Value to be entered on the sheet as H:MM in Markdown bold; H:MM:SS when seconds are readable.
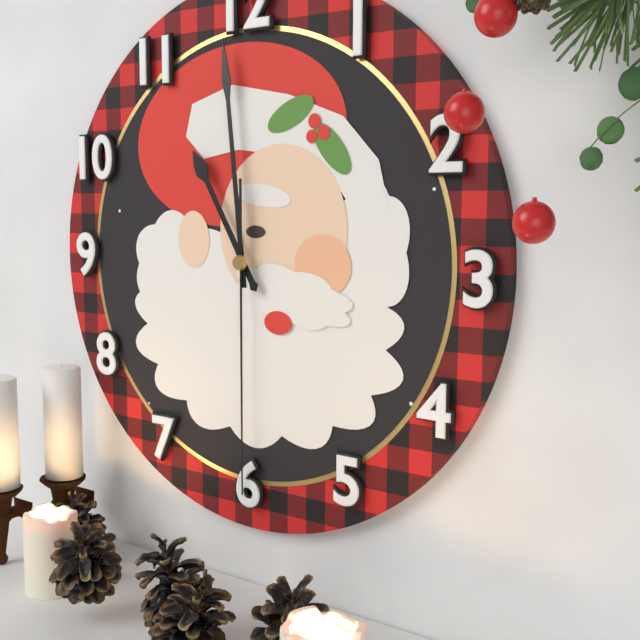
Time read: **10:59:30**
